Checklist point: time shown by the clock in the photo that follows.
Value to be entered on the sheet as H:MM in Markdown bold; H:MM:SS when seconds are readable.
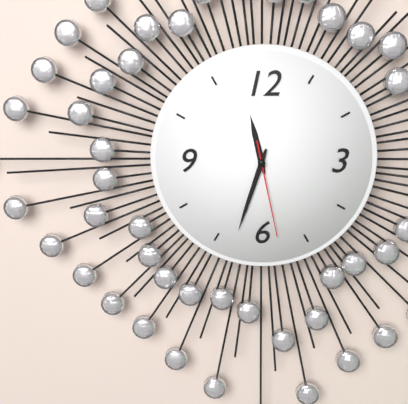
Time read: **11:33:28**
